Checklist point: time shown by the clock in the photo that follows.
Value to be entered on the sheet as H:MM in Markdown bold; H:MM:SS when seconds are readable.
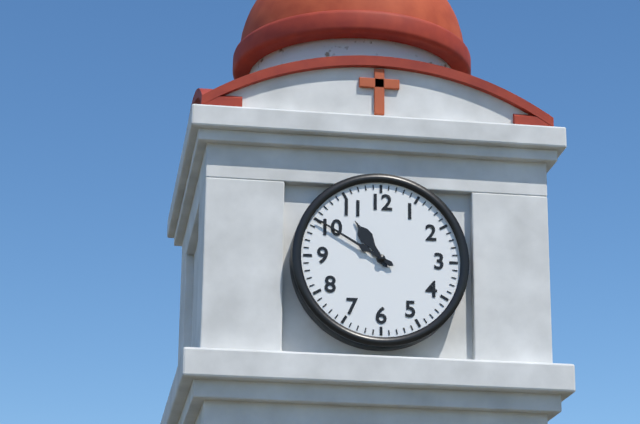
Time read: **10:50**
